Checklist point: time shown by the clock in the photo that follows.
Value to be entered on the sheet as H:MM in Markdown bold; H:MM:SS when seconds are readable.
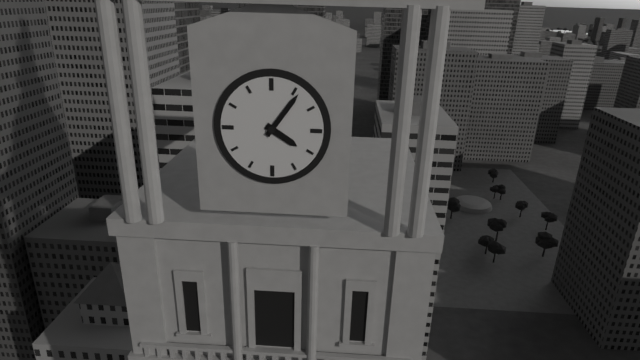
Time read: **4:06**
